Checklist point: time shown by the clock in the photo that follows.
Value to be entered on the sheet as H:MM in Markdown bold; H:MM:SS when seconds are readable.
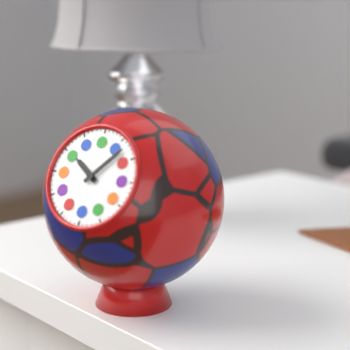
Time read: **10:07**
